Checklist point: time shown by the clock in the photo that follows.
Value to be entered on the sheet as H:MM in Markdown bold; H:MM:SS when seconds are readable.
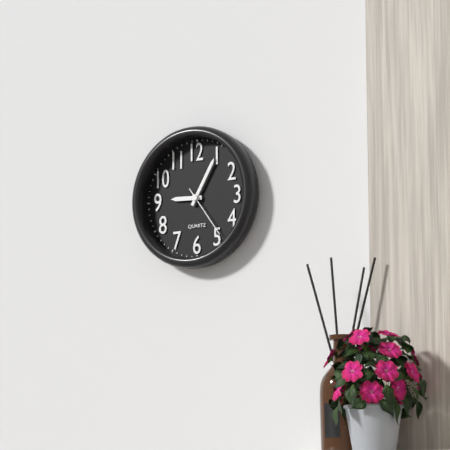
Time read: **9:05:24**
